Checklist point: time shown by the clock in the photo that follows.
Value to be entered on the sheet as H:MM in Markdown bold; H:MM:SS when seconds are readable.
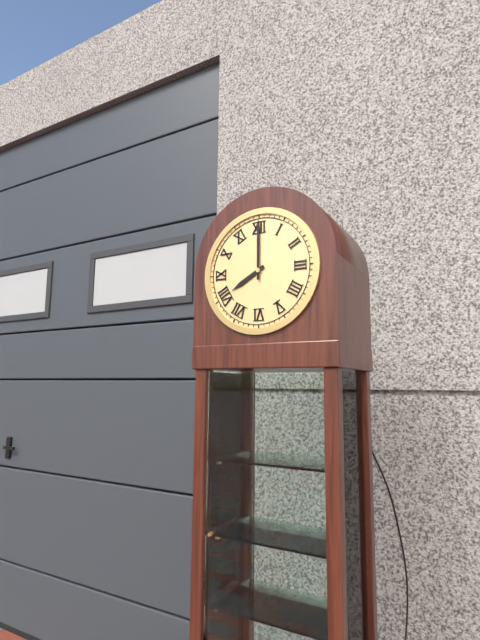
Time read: **8:00**
